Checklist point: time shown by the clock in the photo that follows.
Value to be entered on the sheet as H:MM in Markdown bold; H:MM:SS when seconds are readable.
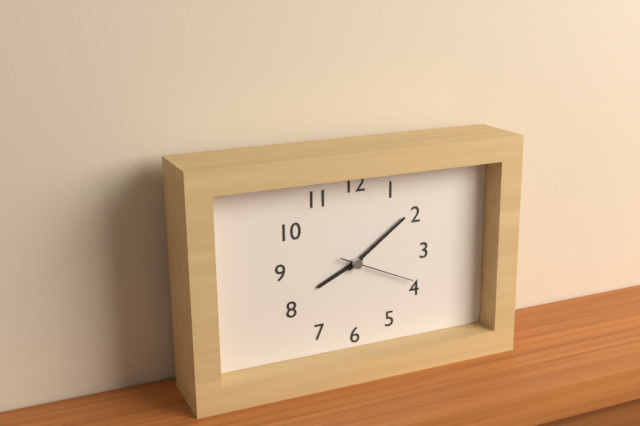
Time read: **8:09:19**
